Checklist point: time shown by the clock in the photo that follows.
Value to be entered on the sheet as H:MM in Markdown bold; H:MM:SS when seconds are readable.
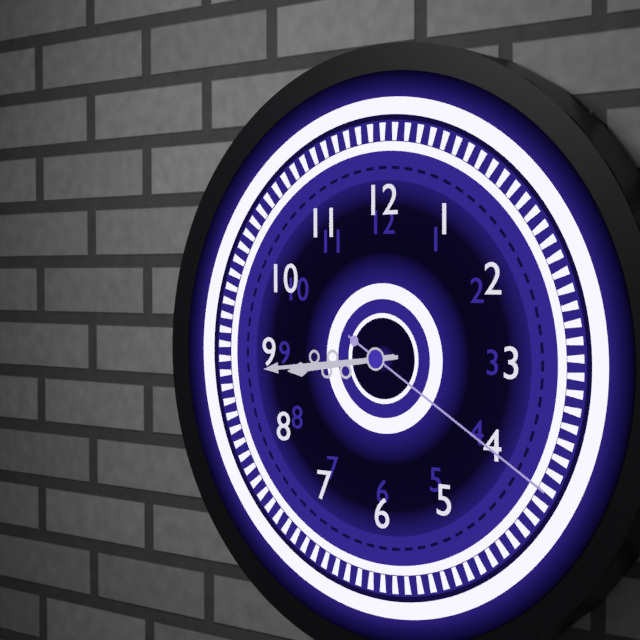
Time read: **8:44:20**
